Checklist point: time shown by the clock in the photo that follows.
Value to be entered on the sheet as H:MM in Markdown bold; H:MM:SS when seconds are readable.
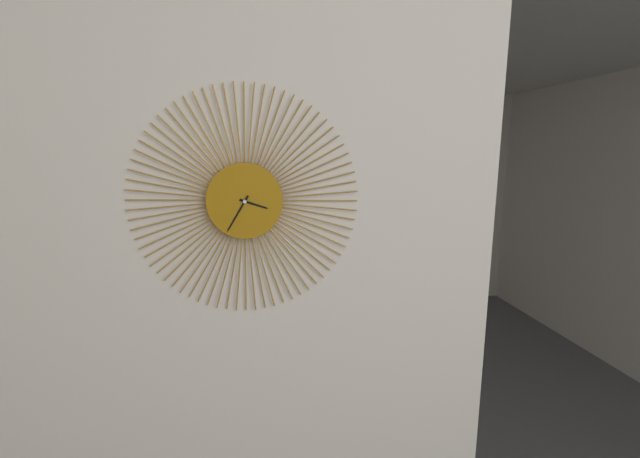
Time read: **3:35**
